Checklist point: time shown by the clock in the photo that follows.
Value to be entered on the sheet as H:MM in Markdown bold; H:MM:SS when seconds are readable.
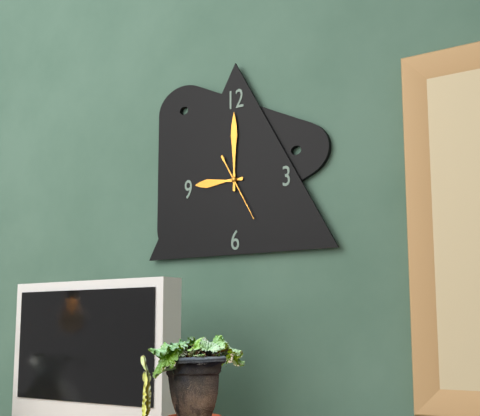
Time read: **9:00:25**
